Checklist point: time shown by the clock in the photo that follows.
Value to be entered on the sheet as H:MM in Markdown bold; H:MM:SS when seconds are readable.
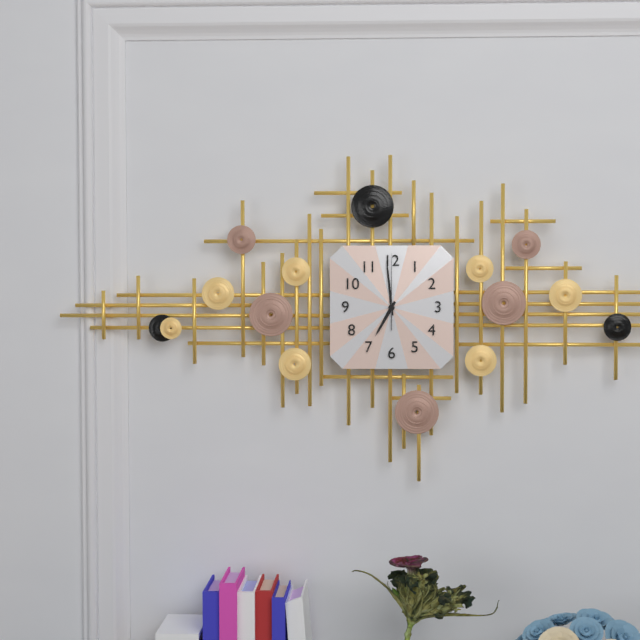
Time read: **6:59:00**
